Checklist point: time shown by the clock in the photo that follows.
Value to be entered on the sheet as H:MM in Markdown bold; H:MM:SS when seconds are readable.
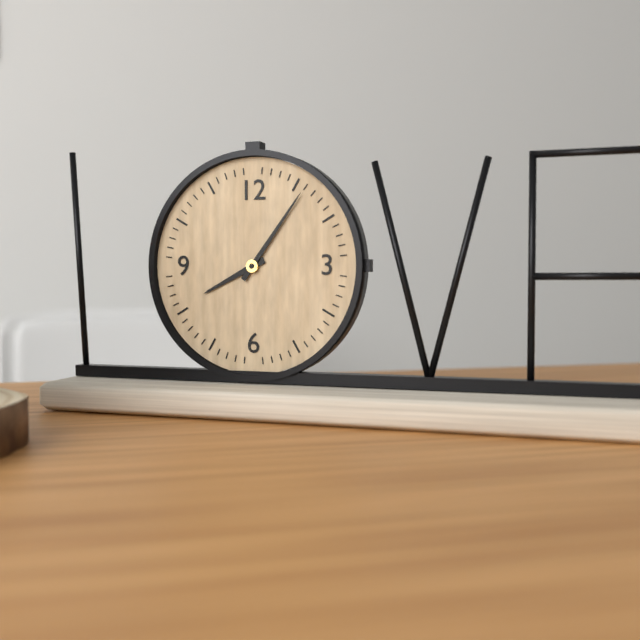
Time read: **8:06**
